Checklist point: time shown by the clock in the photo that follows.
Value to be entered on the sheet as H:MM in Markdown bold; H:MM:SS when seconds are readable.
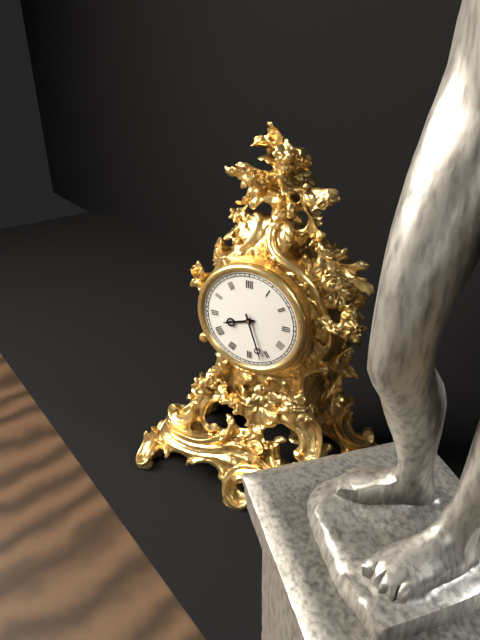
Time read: **8:27**
